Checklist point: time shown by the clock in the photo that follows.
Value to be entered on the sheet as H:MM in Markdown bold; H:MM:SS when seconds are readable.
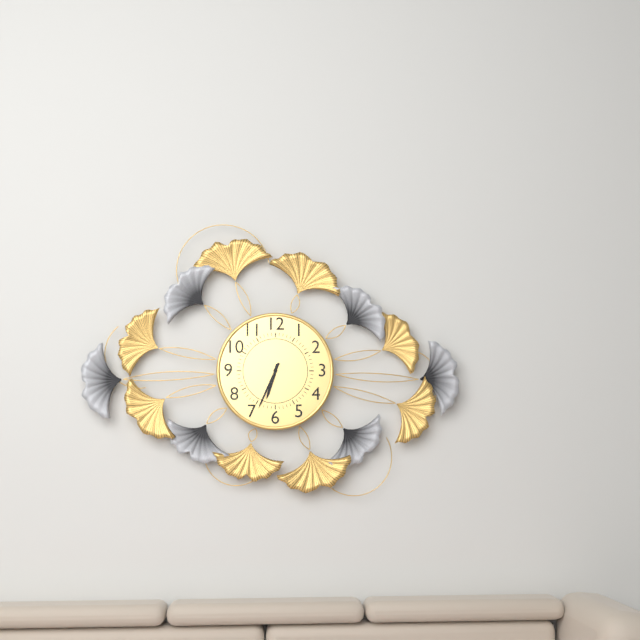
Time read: **6:34**
